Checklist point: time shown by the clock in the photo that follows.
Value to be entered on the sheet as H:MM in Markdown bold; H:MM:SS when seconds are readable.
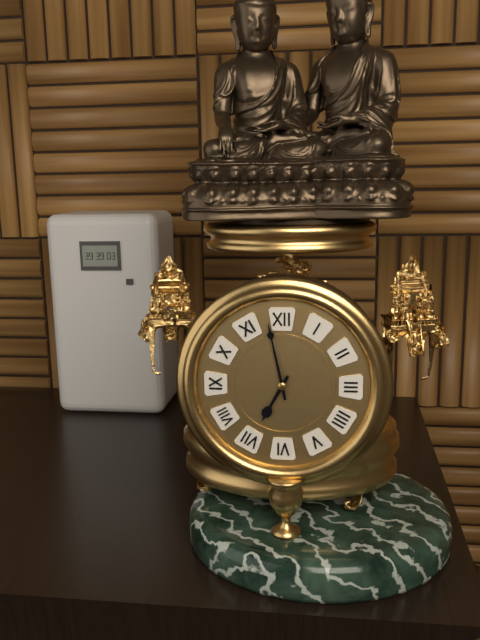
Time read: **6:58**
